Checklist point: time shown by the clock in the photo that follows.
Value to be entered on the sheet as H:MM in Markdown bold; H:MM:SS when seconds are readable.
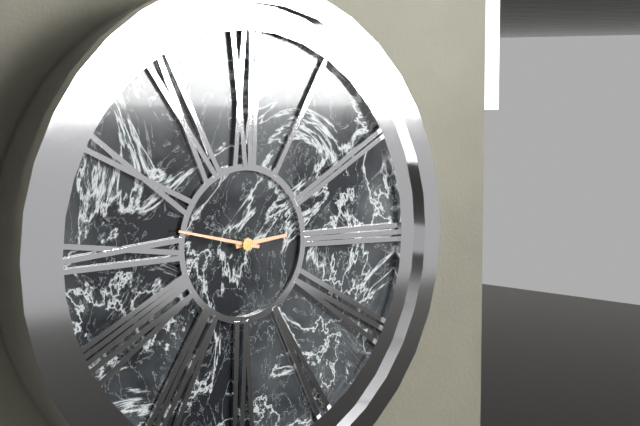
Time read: **2:47**
